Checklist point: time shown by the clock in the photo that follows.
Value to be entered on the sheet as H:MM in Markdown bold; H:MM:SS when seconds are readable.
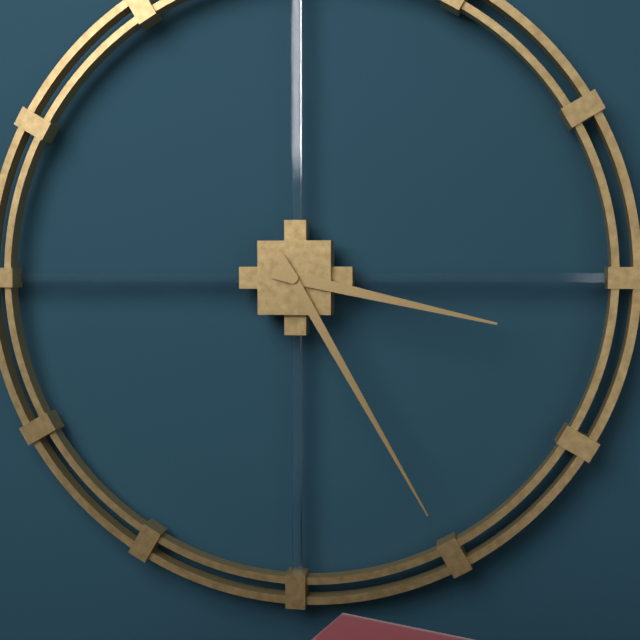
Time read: **3:25**
